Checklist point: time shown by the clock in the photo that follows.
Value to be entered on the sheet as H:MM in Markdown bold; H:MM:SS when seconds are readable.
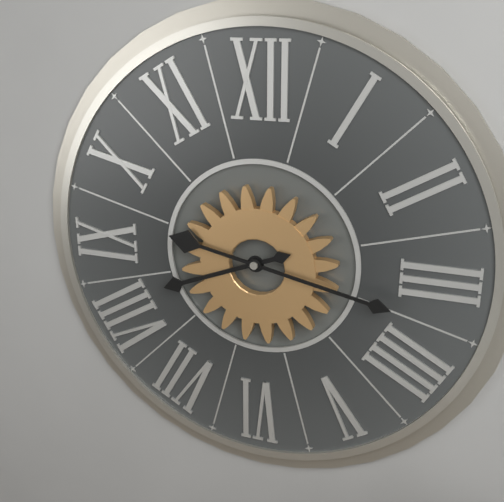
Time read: **8:17**
